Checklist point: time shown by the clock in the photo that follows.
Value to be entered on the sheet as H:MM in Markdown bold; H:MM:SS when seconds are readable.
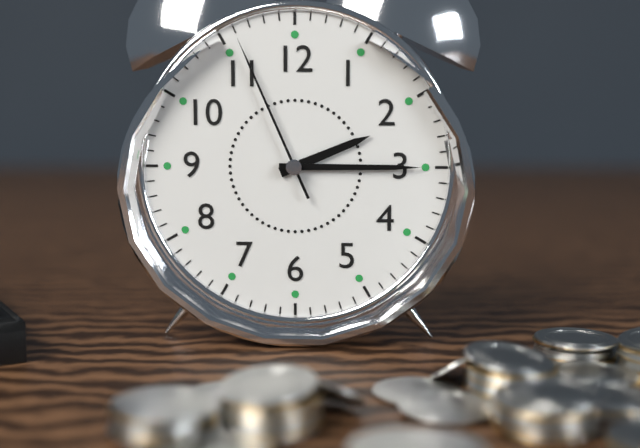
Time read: **2:15:56**
